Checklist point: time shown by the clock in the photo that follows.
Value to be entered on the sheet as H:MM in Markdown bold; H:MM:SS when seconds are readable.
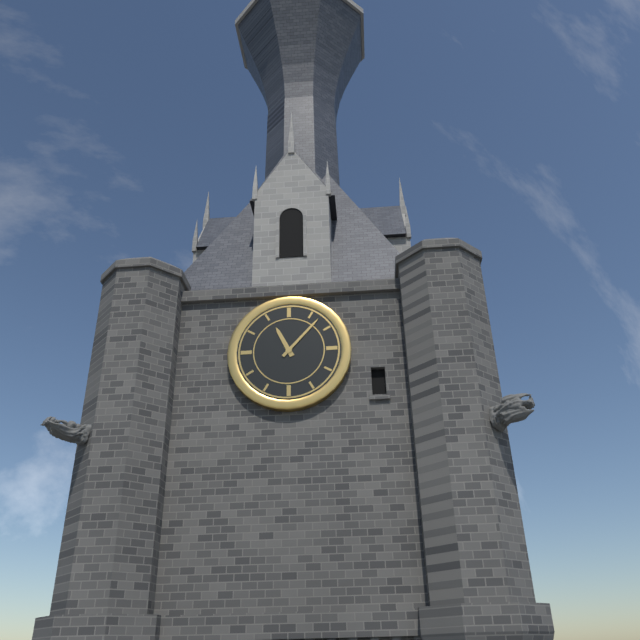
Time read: **11:07**
